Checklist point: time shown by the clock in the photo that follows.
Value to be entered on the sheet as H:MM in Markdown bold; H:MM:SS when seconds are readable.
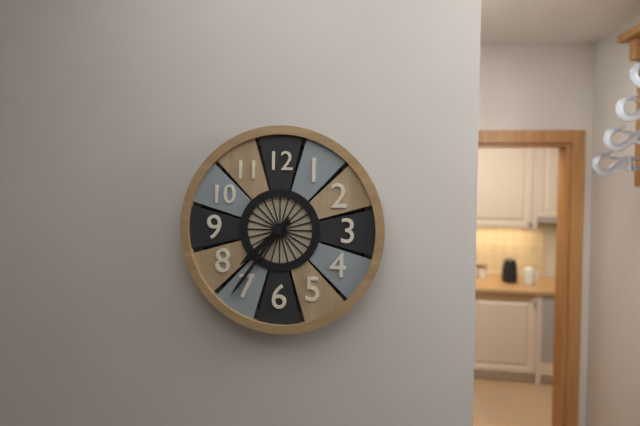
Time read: **7:36**
